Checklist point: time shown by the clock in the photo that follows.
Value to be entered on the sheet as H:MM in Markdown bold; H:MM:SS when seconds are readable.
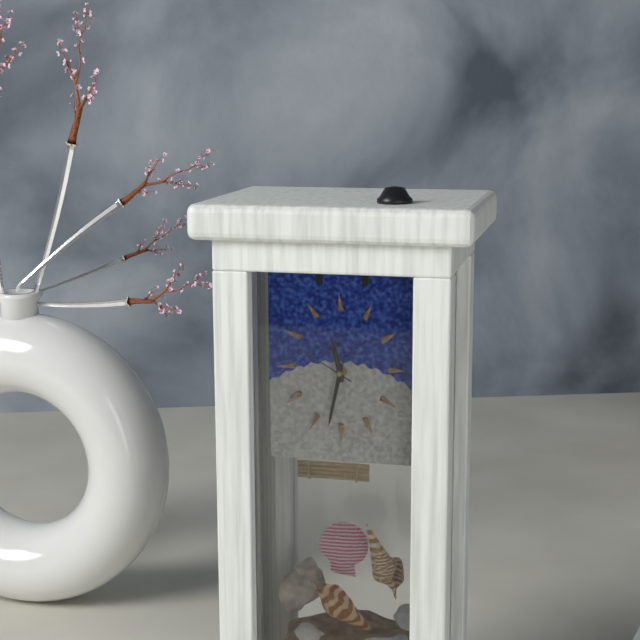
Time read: **11:32:50**
